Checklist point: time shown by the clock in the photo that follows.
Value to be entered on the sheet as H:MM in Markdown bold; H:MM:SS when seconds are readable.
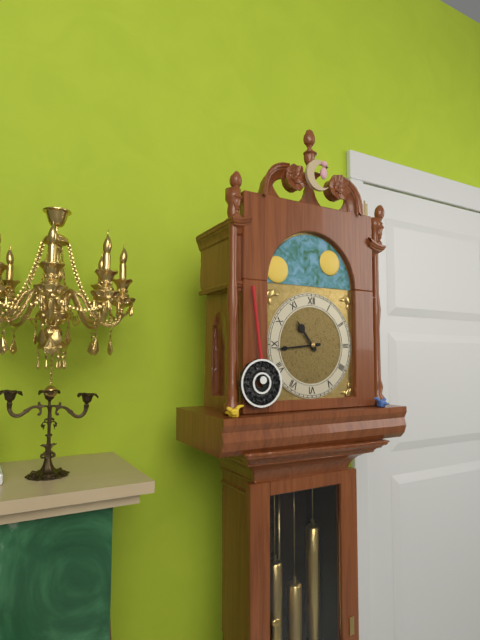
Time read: **10:44**
